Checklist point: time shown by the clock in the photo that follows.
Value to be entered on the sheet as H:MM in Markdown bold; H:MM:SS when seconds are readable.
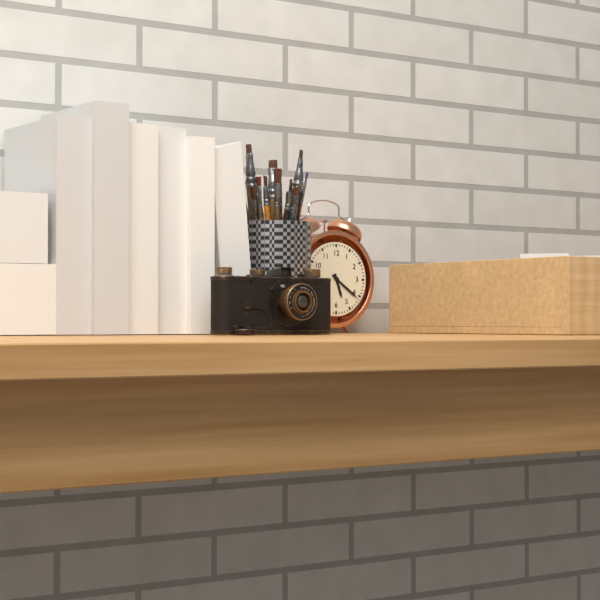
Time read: **5:21**
